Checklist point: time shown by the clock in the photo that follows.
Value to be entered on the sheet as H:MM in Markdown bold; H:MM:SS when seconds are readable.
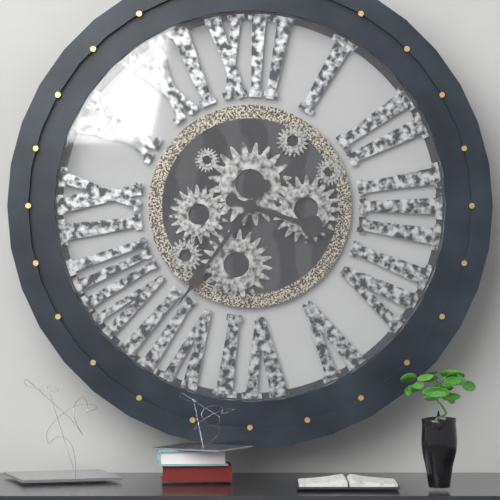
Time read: **3:36**
